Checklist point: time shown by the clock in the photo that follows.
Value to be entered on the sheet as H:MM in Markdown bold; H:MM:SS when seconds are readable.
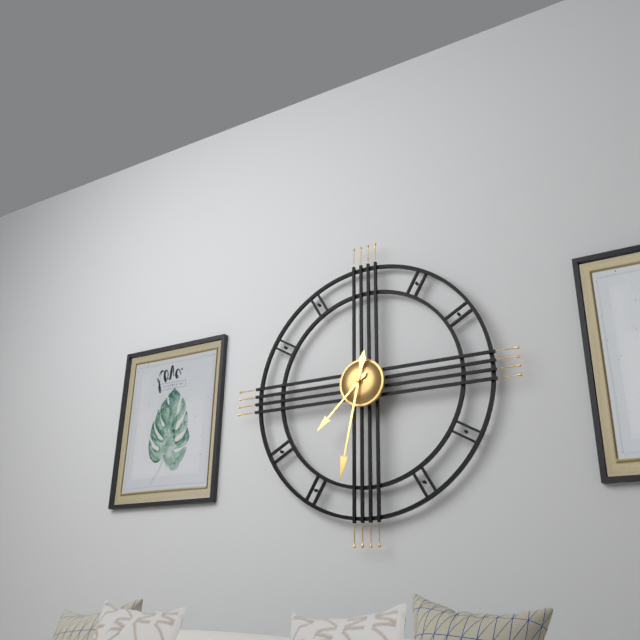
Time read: **7:32**
